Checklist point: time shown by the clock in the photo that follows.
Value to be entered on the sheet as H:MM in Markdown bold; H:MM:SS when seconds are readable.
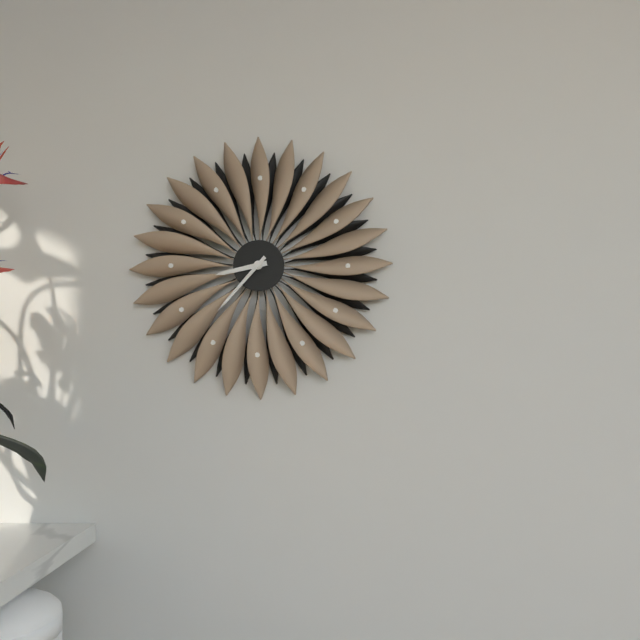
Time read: **8:37**
